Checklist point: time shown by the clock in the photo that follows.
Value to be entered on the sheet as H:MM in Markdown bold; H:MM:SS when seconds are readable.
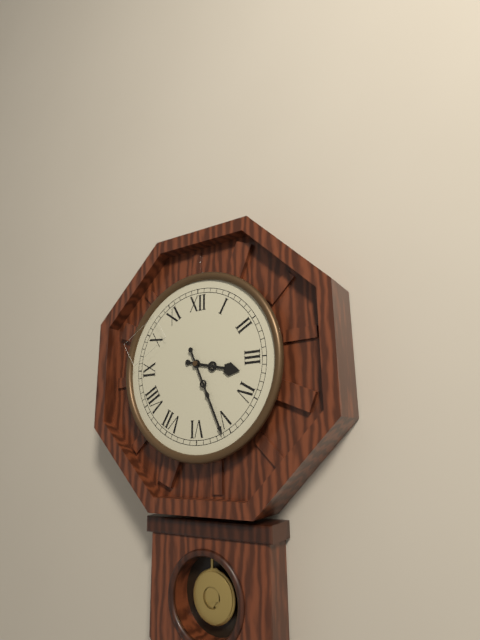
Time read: **3:26**
